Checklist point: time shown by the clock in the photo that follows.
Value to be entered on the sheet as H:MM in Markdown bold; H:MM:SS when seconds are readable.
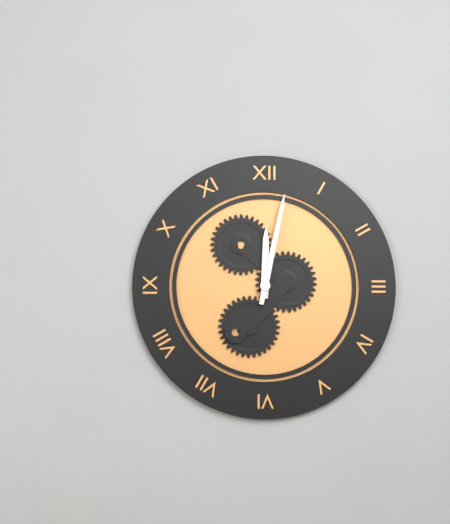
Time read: **12:02**
